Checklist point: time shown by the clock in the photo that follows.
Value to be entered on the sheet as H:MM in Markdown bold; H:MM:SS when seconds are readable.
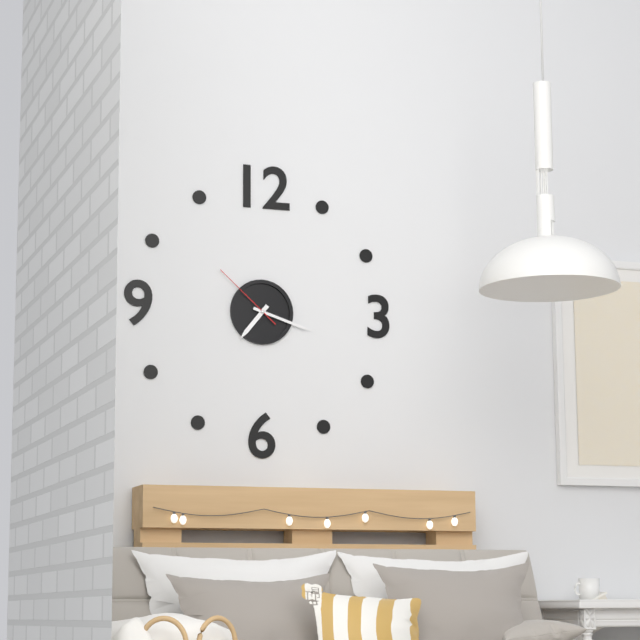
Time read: **7:18:52**
